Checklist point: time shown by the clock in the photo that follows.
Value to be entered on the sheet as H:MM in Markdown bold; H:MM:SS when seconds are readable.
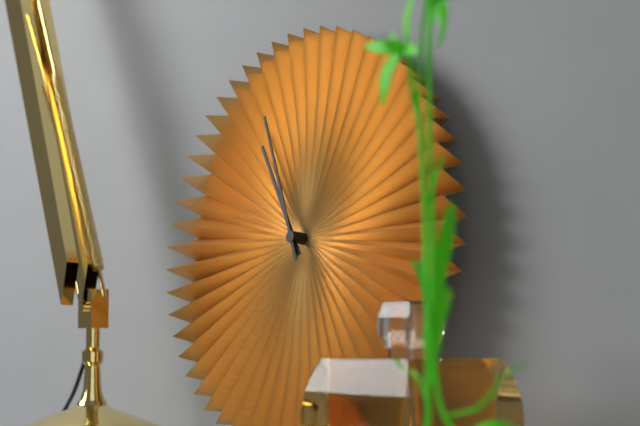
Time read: **10:56**
